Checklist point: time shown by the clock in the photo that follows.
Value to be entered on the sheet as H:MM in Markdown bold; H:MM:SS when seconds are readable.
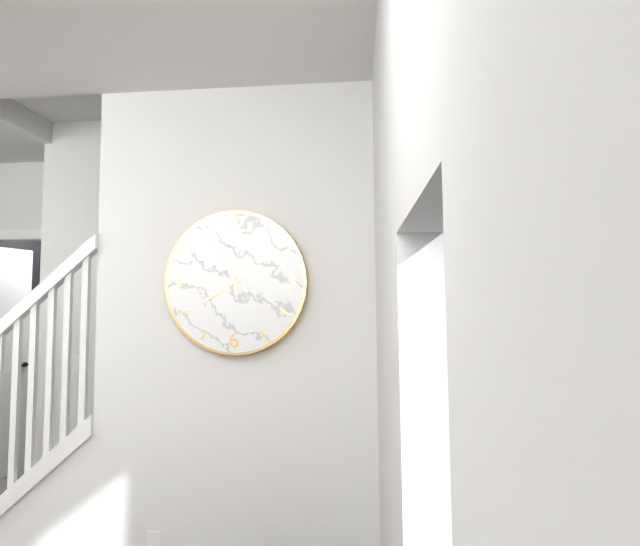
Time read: **7:56**
